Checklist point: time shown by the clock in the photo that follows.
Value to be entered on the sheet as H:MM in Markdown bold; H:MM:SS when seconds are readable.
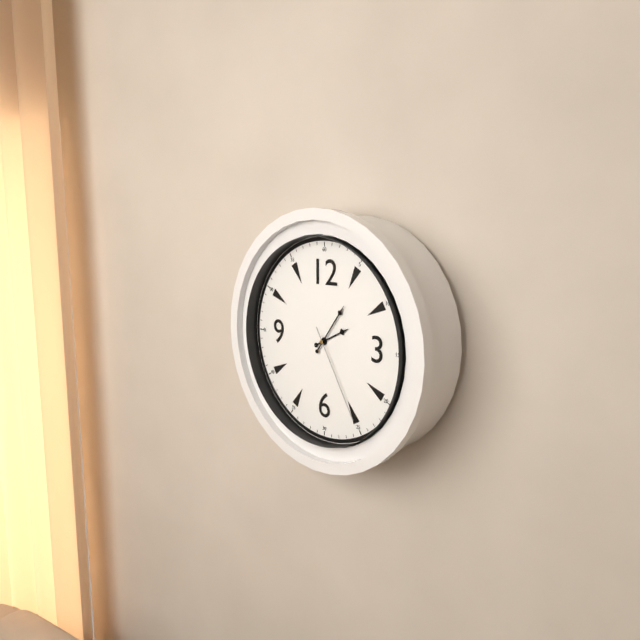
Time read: **2:06:25**
